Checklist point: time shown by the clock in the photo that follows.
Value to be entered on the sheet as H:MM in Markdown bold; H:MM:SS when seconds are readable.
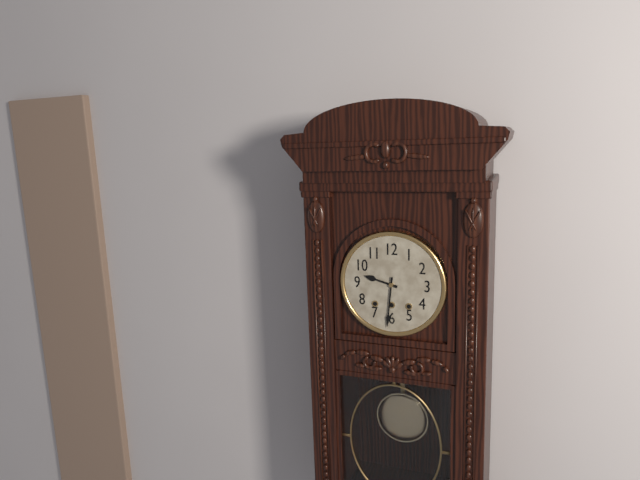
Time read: **9:31**
